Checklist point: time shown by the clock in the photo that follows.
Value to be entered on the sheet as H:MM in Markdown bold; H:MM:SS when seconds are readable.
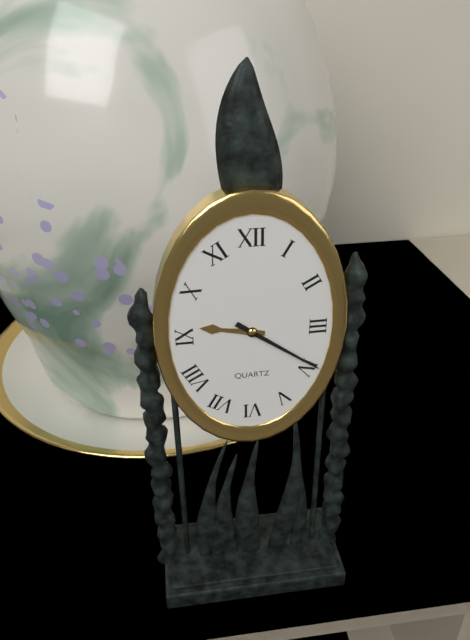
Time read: **9:21**
